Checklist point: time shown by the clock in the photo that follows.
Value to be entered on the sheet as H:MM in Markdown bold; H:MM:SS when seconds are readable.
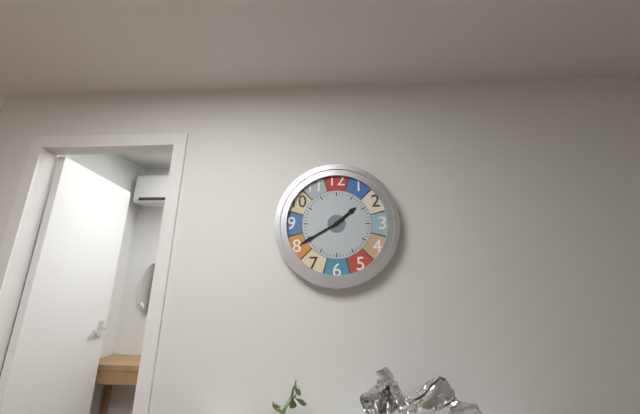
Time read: **1:40**
